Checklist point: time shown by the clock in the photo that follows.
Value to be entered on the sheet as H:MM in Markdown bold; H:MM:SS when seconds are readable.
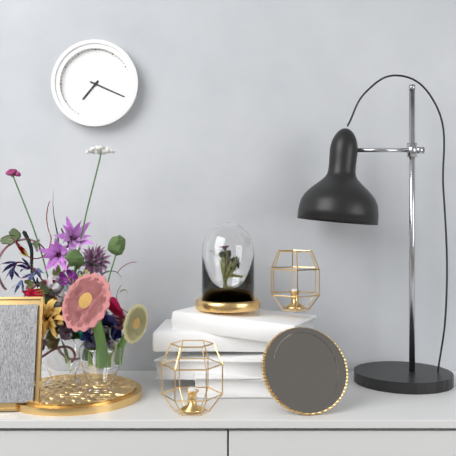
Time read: **7:19**
